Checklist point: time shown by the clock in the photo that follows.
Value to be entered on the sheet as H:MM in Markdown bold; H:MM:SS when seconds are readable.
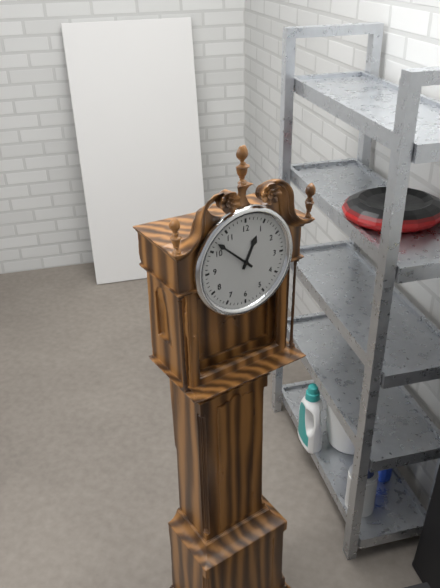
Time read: **12:52**
